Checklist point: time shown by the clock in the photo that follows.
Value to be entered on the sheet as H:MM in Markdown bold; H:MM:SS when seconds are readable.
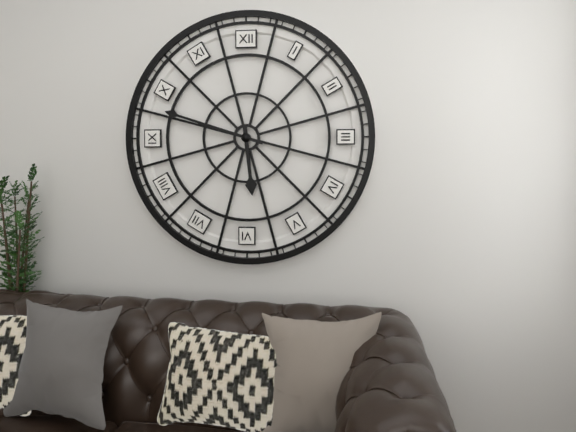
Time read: **5:48**
